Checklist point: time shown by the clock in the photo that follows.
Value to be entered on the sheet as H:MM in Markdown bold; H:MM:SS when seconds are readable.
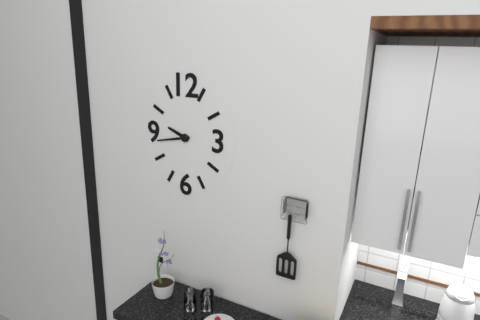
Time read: **9:43**
